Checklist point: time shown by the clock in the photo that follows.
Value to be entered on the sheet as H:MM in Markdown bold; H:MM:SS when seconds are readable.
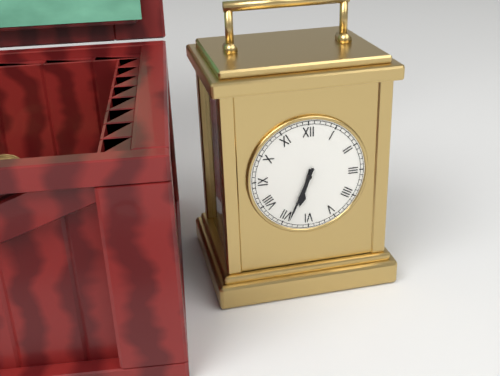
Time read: **6:34**
